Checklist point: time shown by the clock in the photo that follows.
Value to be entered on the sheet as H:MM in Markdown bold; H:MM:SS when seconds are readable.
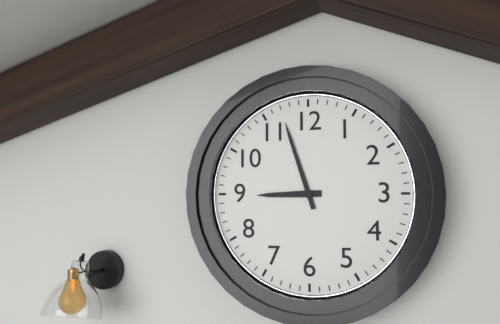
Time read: **8:57**
